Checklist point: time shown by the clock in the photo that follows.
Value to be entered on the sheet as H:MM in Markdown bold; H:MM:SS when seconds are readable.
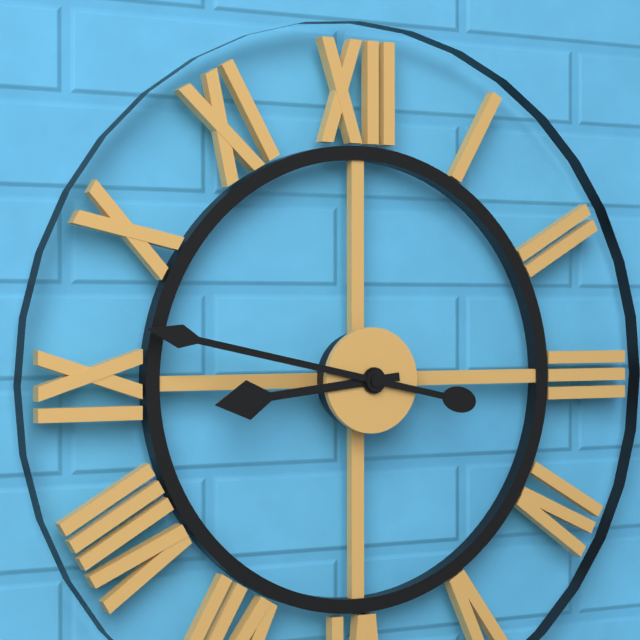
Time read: **8:47**
